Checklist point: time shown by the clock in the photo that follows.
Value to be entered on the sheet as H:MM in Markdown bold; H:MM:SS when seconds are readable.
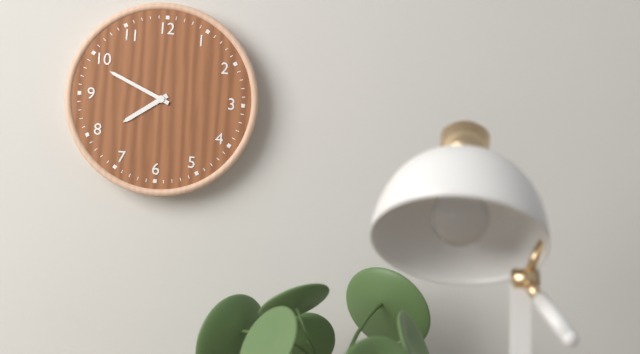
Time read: **7:49**
